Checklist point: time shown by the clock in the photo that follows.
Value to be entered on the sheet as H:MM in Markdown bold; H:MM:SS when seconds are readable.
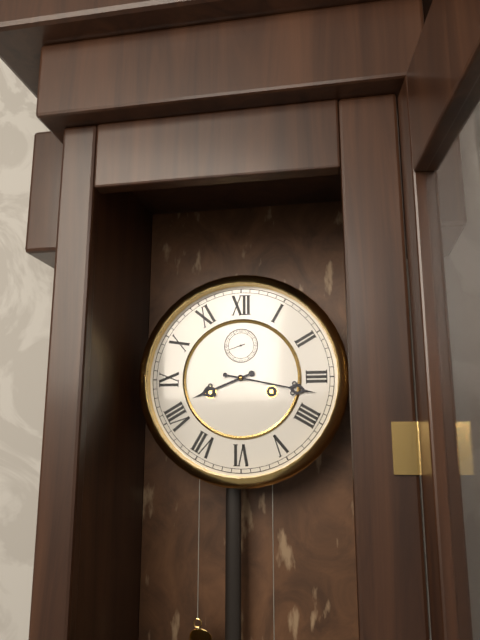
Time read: **8:17**
